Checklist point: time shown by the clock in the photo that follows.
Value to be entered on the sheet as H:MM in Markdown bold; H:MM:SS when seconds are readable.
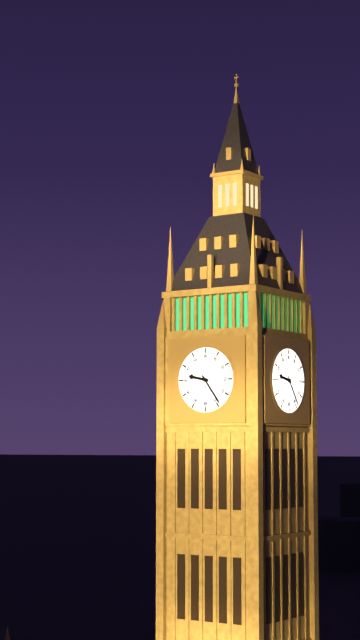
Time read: **9:24**
